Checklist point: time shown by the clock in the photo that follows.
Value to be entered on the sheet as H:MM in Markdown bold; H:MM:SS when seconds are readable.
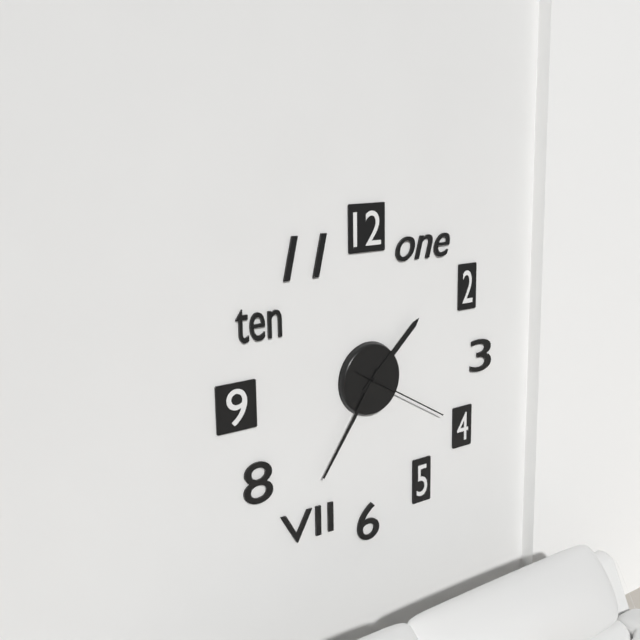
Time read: **1:36:20**
